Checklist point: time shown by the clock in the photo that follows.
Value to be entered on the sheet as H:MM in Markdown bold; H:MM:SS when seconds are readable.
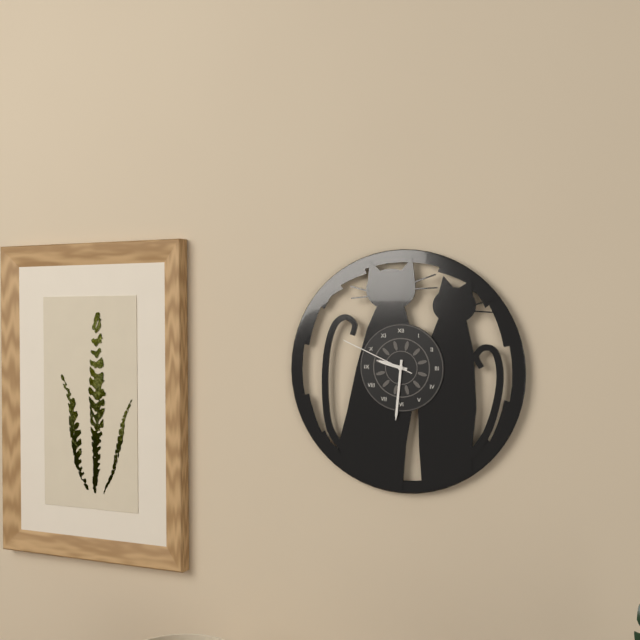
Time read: **9:31:49**
